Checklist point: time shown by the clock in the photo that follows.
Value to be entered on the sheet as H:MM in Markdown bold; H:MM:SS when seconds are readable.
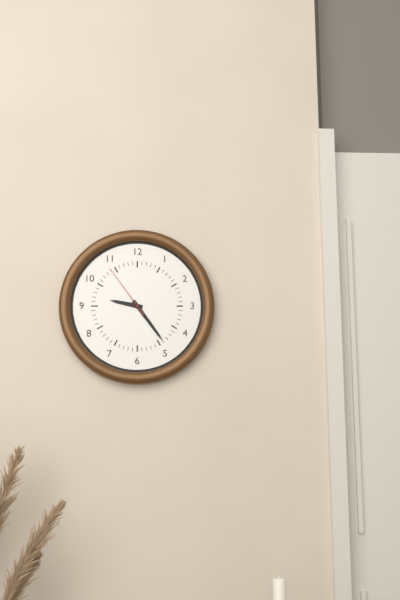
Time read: **9:24:54**
